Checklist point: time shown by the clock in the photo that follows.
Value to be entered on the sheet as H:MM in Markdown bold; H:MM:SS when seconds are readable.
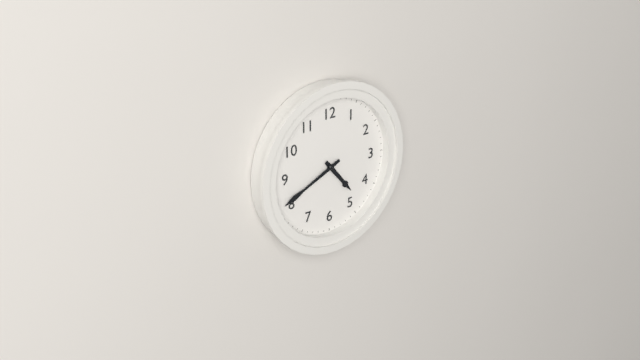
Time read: **4:41**
